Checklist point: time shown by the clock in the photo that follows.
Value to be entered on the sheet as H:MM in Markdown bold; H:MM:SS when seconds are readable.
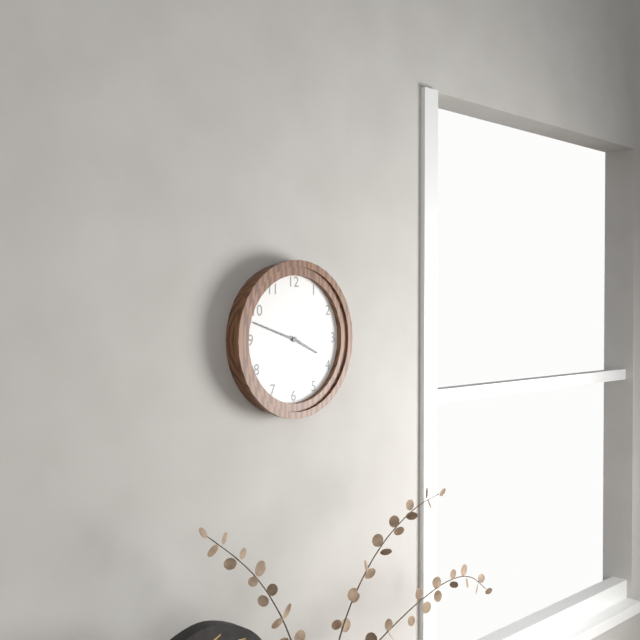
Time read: **3:48**
